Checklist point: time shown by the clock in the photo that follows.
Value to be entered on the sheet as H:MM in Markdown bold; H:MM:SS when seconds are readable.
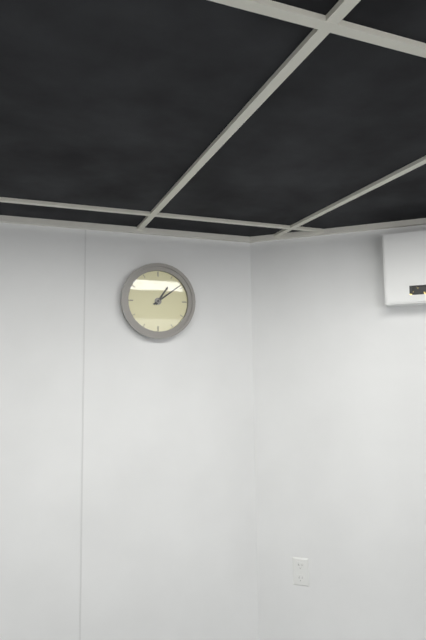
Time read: **1:09**
